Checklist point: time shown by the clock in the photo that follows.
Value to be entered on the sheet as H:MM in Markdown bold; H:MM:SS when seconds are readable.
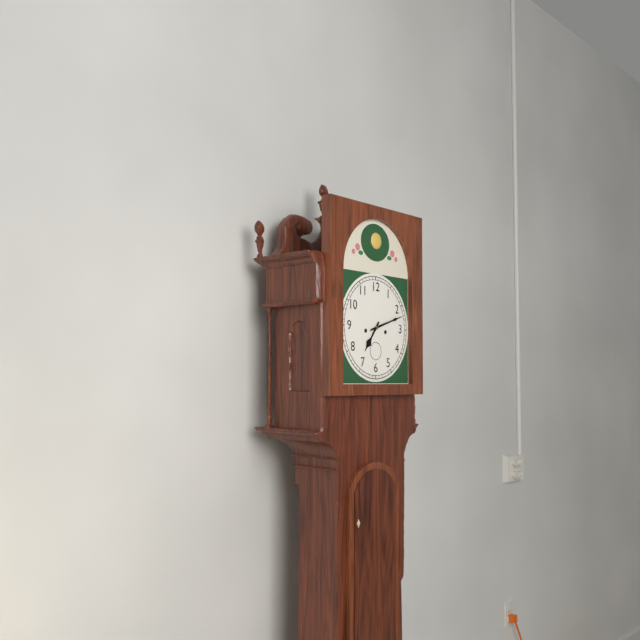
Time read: **7:12**
